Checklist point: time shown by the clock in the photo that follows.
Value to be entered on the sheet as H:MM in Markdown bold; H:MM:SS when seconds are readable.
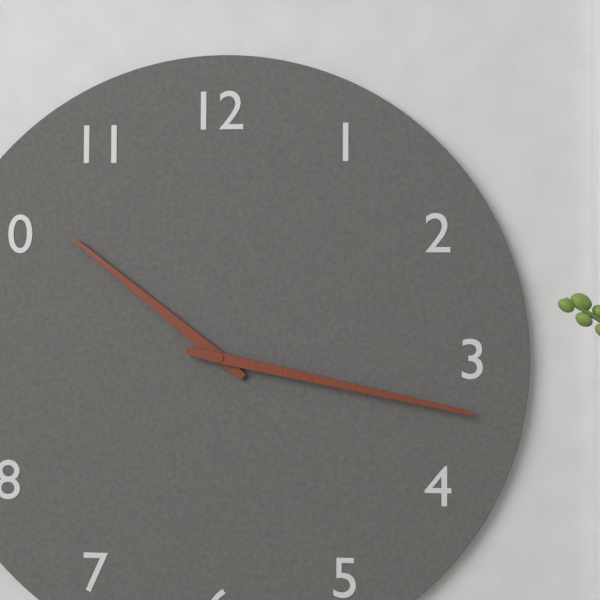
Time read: **10:17**
